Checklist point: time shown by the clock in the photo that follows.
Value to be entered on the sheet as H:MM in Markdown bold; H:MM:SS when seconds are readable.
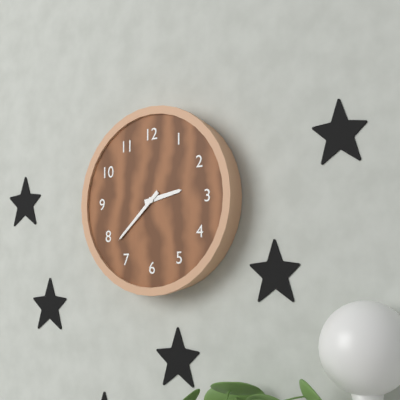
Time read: **2:38**
